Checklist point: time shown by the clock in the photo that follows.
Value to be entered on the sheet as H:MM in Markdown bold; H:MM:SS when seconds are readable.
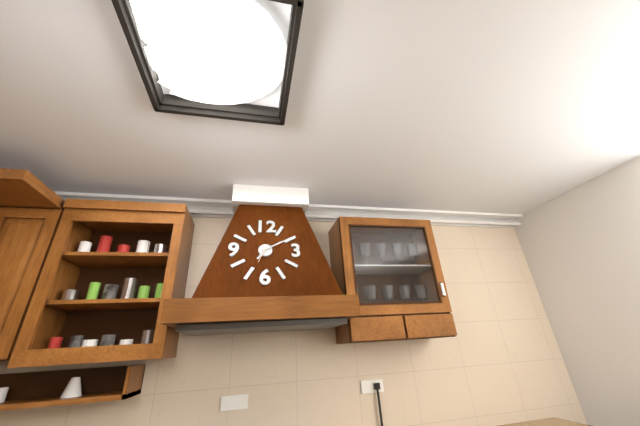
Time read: **7:10**
